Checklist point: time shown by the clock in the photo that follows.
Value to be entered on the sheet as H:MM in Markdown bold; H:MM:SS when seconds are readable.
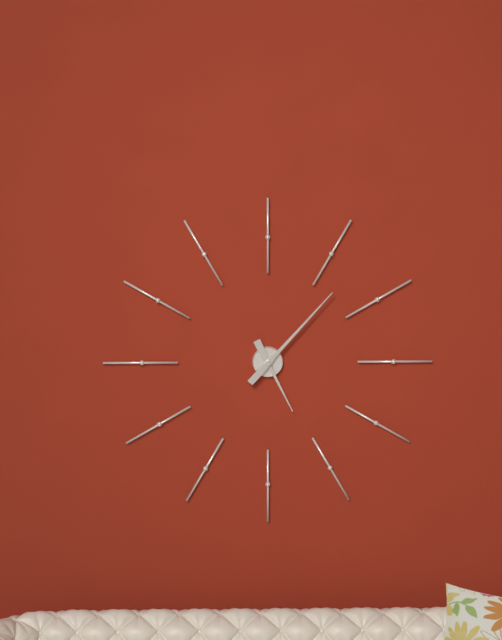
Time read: **5:07**
